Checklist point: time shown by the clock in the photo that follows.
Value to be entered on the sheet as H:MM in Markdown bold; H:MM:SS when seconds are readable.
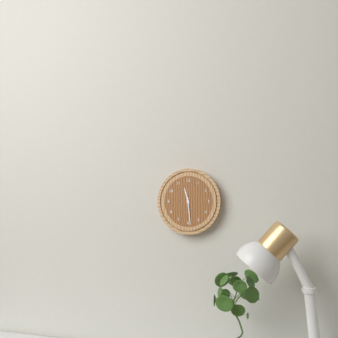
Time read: **11:29**
